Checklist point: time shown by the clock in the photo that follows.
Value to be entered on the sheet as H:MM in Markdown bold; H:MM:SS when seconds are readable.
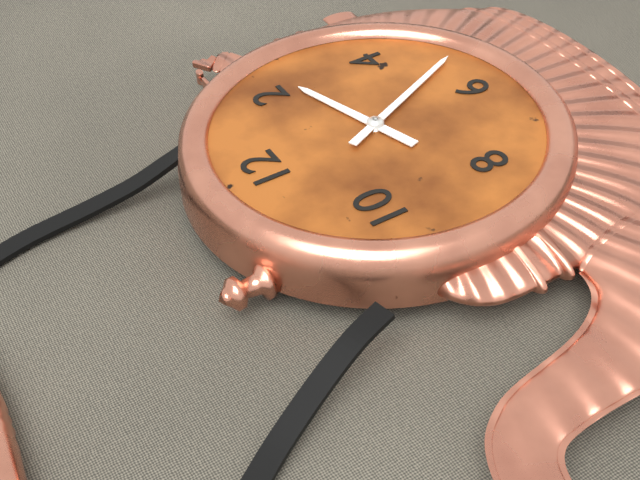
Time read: **2:26**
